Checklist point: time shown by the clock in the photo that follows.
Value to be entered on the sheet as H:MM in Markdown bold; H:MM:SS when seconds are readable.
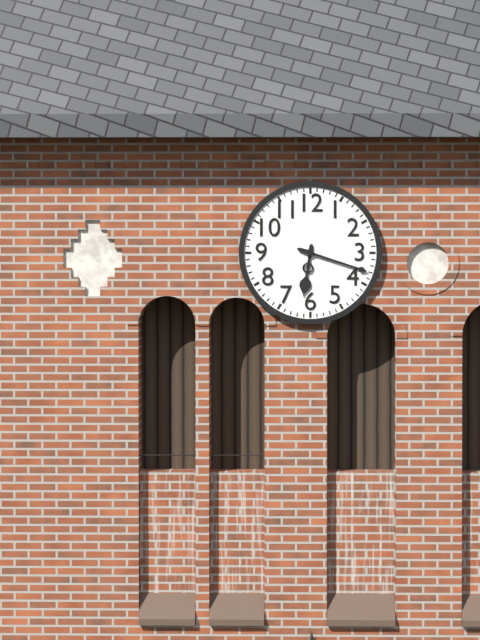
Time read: **6:18**
